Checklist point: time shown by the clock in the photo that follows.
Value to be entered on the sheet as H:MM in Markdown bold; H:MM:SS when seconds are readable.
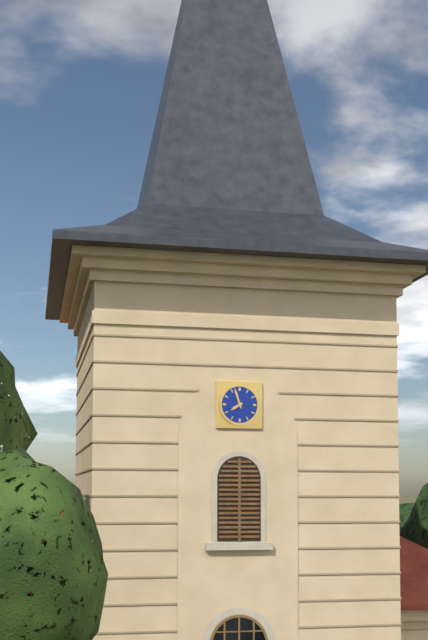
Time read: **7:57**
